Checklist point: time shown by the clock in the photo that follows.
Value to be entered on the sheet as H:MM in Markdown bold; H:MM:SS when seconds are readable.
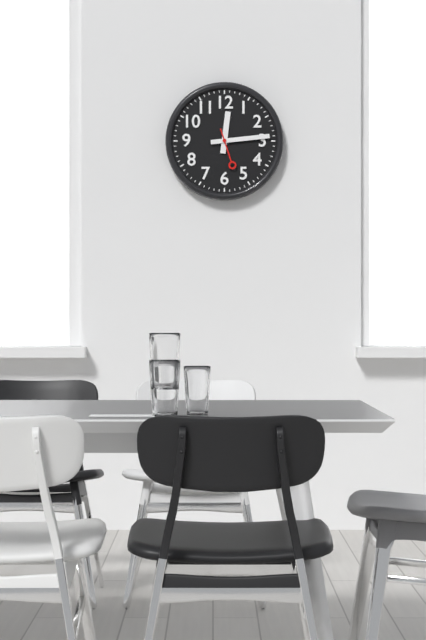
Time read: **12:14**
